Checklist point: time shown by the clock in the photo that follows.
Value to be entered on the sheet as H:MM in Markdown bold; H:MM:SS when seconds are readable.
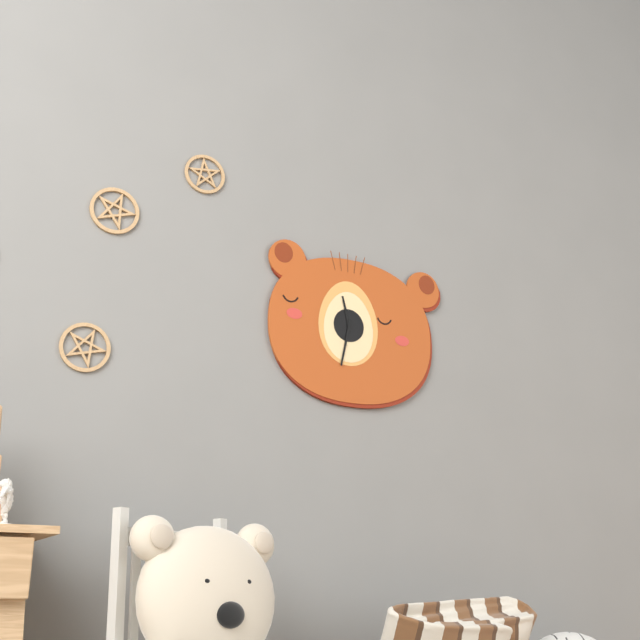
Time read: **11:32**
